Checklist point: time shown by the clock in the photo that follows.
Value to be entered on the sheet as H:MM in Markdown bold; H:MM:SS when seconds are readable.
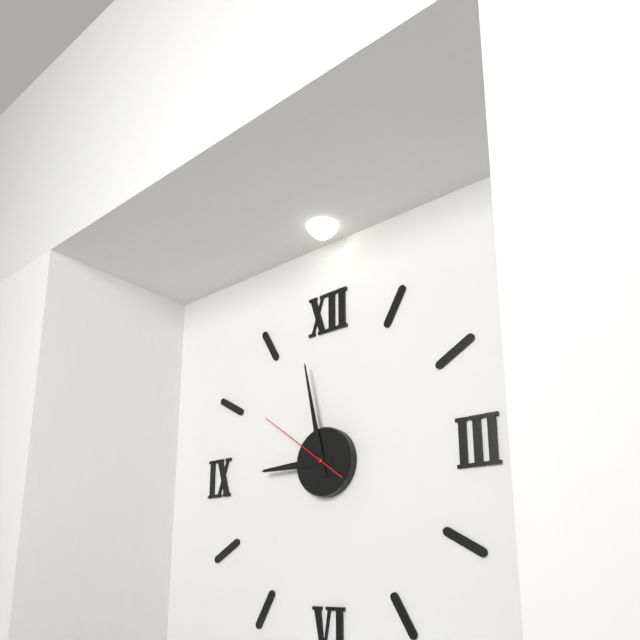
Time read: **8:58:51**
